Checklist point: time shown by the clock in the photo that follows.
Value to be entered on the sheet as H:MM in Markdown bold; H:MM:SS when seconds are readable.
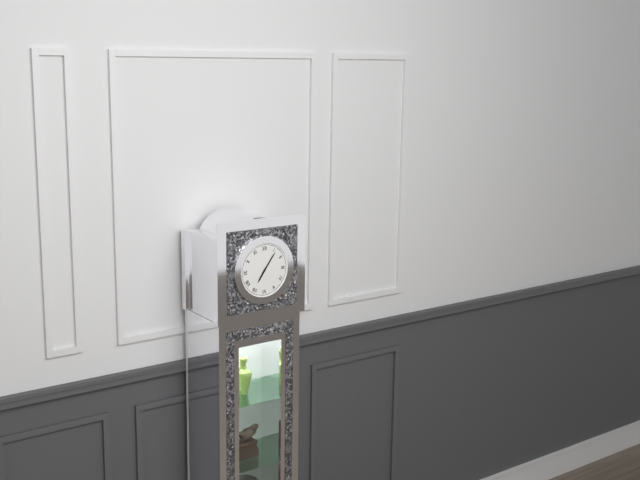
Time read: **7:06**
